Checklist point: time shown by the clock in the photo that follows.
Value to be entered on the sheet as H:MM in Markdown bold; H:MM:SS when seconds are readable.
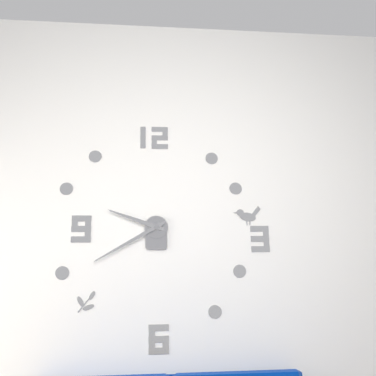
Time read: **9:40**
